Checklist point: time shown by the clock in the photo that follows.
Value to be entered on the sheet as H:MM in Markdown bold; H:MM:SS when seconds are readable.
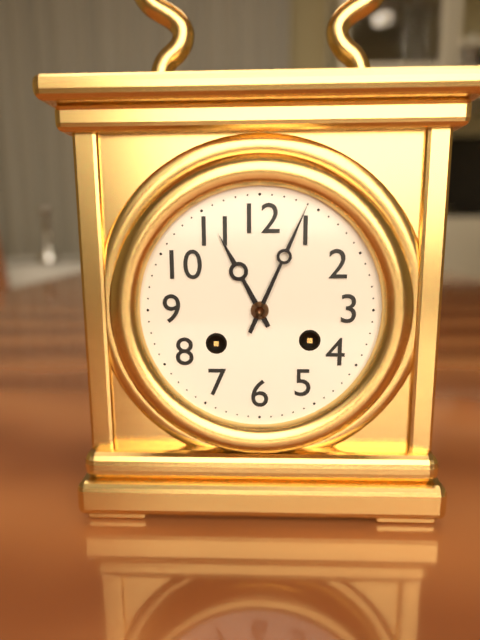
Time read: **11:04**
